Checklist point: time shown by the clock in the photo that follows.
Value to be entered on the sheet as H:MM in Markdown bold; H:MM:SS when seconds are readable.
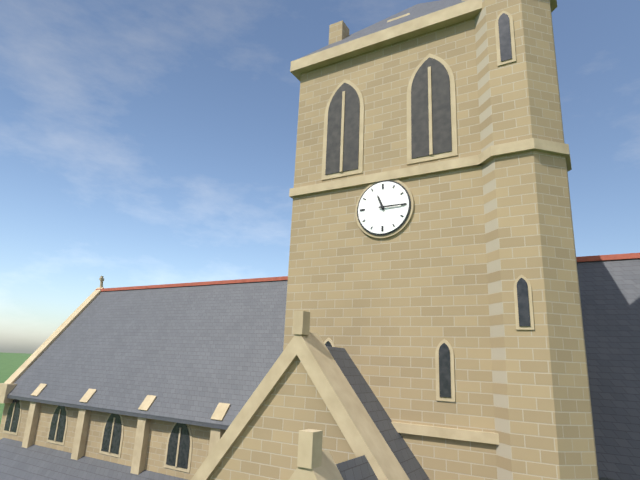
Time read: **11:15**
